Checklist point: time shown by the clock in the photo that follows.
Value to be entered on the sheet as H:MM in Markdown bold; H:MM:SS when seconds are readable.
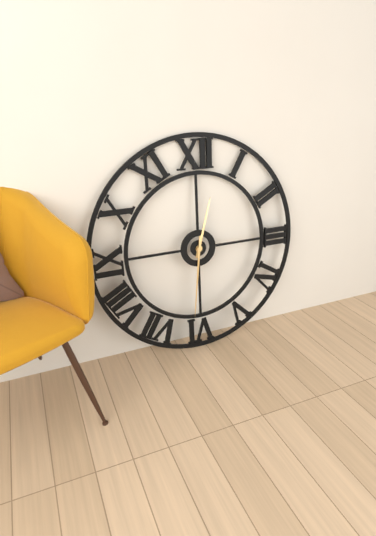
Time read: **12:31**
